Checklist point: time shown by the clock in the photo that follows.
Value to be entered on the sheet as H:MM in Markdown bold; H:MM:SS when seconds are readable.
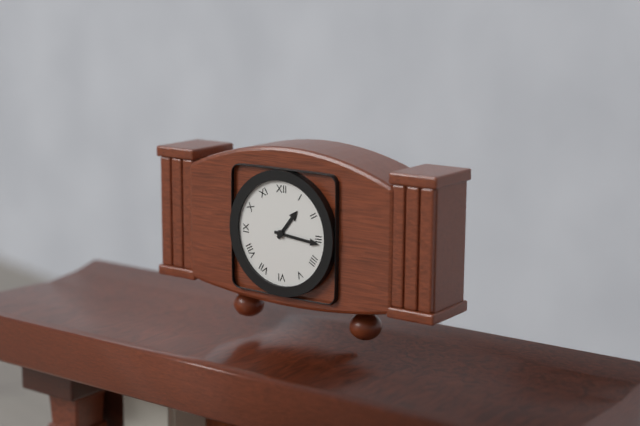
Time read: **1:16**
